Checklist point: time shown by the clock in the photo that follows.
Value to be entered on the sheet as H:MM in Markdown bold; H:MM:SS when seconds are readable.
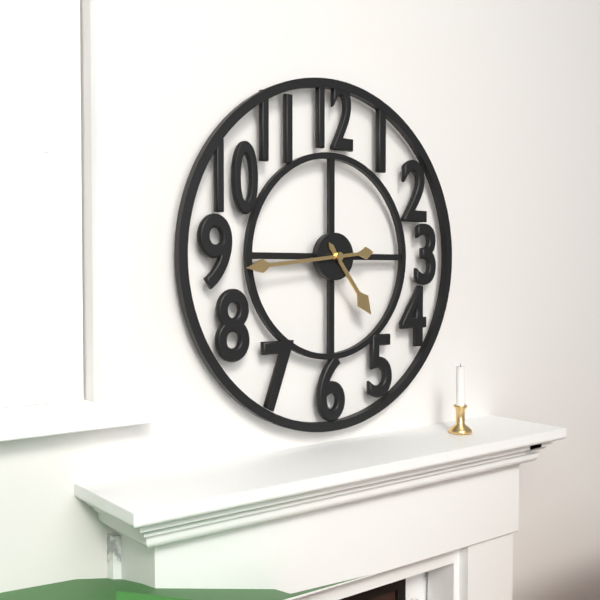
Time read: **4:44**
